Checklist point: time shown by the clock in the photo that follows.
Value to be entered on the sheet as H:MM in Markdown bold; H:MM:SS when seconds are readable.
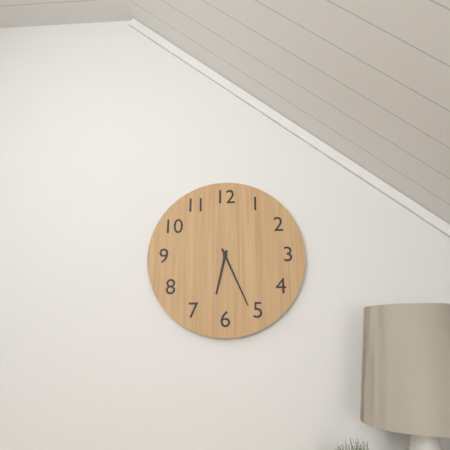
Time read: **6:26**
